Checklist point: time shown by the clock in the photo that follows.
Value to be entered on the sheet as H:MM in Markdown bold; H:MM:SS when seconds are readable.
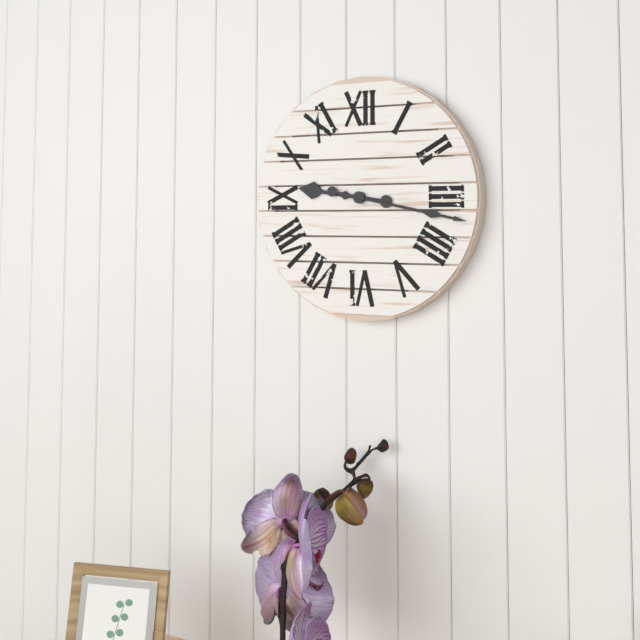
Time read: **9:17**
